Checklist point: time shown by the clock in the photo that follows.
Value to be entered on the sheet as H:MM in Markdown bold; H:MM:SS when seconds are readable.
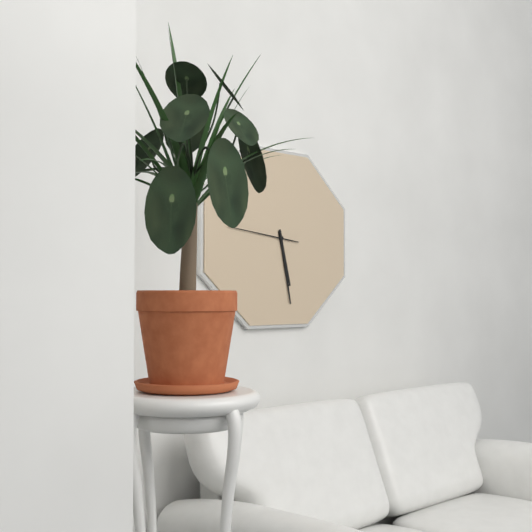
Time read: **5:28:46**
